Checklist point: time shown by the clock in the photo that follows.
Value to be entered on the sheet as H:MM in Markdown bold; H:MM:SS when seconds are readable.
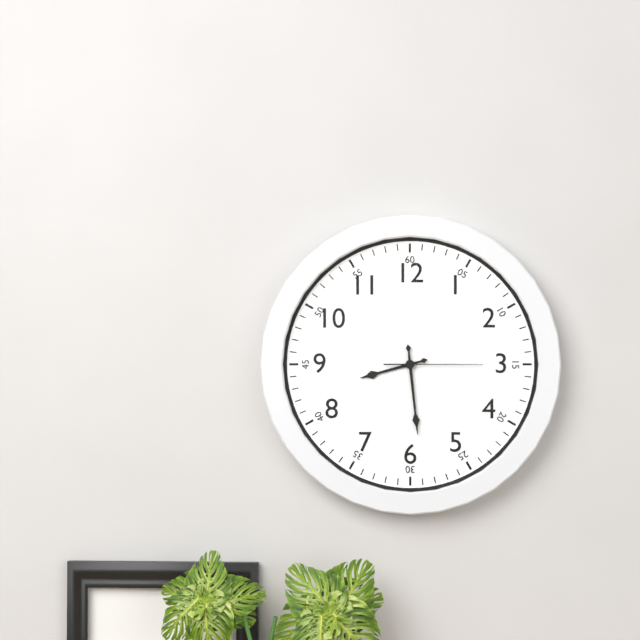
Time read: **8:29:15**
